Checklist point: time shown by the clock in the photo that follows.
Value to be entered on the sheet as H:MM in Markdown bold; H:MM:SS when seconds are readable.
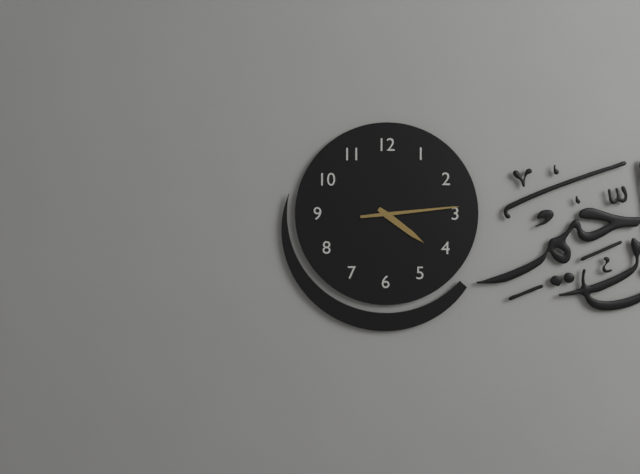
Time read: **4:14**
